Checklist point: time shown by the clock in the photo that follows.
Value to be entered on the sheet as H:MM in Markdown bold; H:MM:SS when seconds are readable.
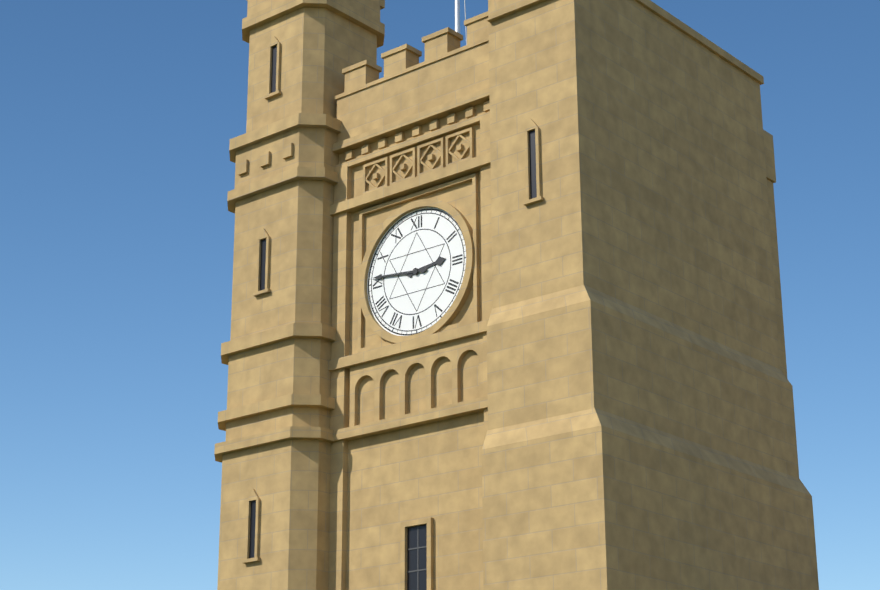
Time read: **2:46**
